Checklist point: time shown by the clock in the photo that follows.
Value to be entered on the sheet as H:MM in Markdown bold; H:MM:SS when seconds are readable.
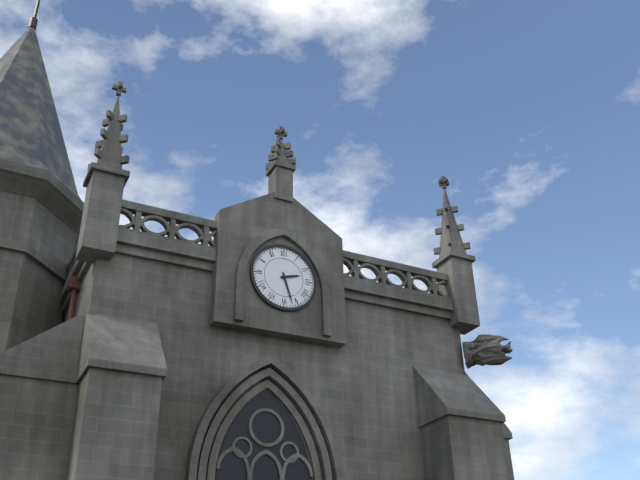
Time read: **2:27**
